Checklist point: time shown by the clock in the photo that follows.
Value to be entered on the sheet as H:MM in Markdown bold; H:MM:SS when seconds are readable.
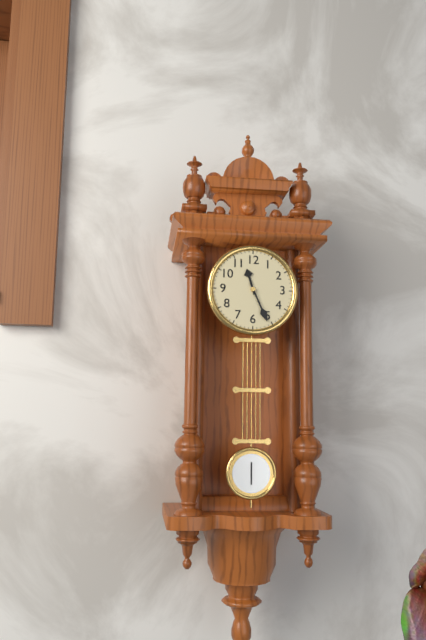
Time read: **11:26**
